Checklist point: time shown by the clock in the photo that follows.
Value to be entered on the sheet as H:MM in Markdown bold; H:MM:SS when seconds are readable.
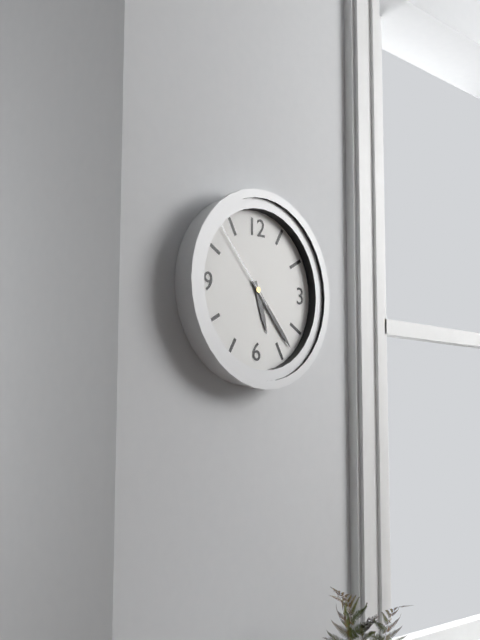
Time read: **5:23:53**
